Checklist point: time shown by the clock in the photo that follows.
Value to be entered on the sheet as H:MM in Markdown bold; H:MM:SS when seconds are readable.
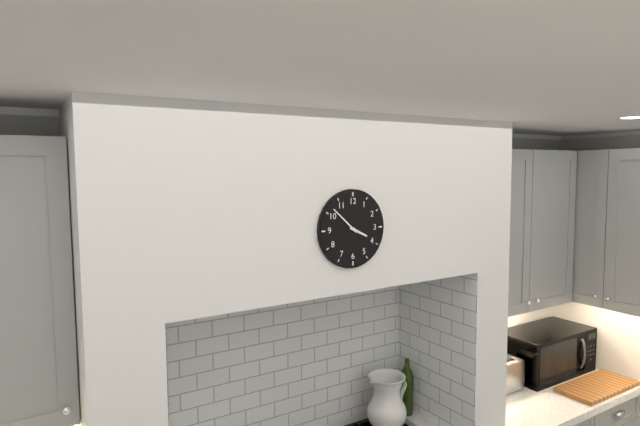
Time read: **3:52**
